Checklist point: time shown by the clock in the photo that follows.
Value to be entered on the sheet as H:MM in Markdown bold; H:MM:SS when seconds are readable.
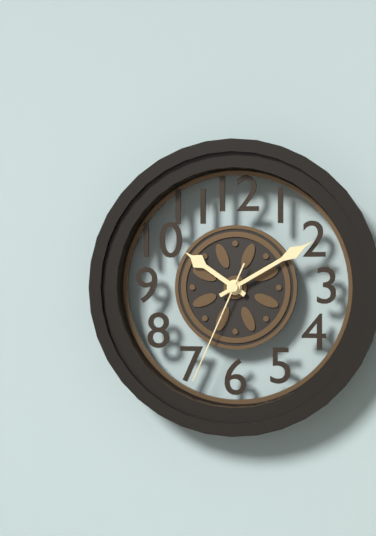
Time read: **10:10:34**
